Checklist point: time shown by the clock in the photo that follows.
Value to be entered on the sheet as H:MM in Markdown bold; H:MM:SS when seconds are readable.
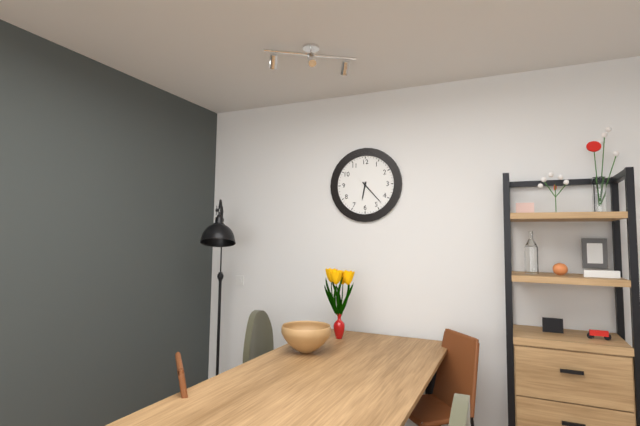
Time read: **6:23**
